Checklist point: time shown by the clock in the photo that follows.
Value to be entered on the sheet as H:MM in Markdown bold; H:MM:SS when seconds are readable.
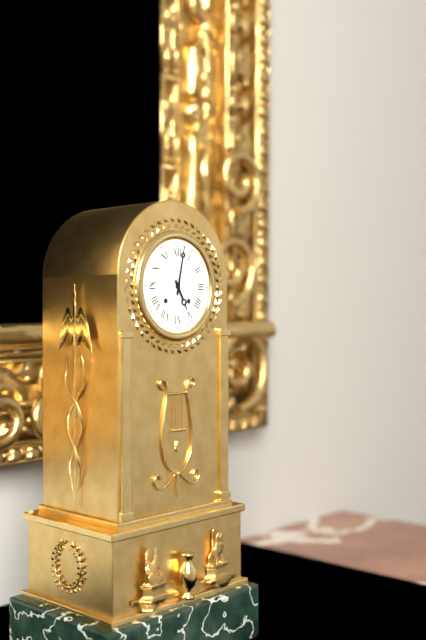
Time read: **5:02**
